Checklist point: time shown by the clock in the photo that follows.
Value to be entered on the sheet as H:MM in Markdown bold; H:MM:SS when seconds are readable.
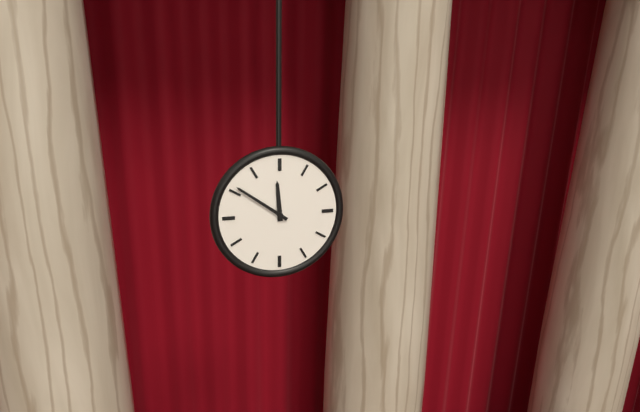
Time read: **11:51**
